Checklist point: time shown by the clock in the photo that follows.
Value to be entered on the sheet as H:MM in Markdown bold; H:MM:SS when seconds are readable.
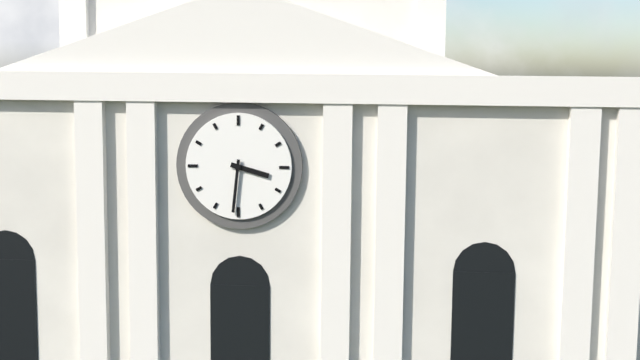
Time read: **3:31**
